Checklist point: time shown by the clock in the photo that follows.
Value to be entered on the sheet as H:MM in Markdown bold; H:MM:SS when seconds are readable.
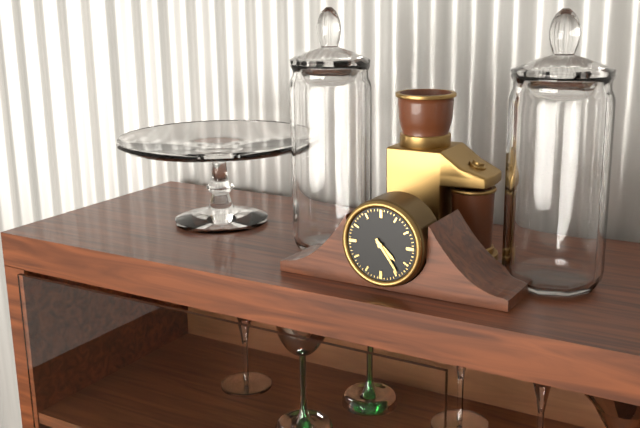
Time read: **4:24**
